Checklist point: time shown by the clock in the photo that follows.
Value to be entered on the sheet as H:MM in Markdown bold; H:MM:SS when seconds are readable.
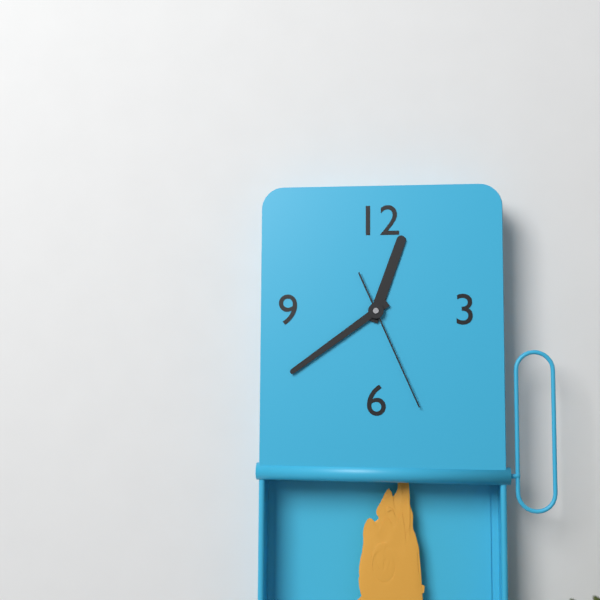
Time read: **12:39:26**
